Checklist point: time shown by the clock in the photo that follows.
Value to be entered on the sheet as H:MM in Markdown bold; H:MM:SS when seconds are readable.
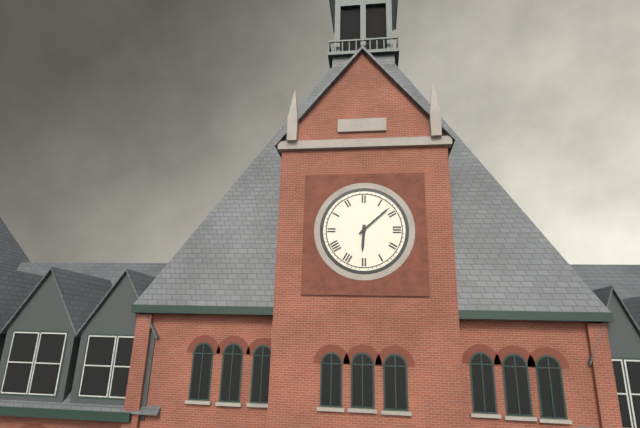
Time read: **6:08**
